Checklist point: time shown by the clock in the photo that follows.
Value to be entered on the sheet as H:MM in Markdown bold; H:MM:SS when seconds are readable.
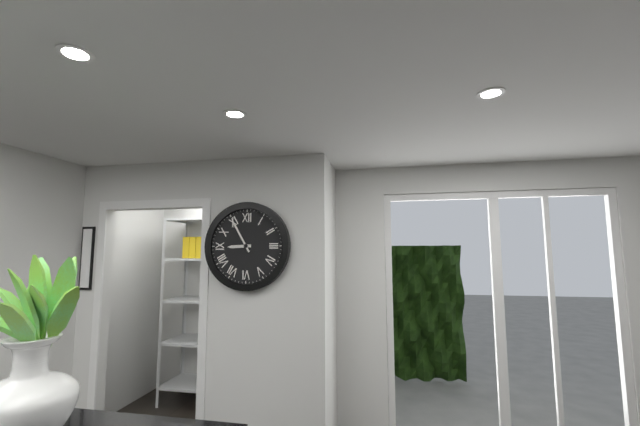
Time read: **8:55**
